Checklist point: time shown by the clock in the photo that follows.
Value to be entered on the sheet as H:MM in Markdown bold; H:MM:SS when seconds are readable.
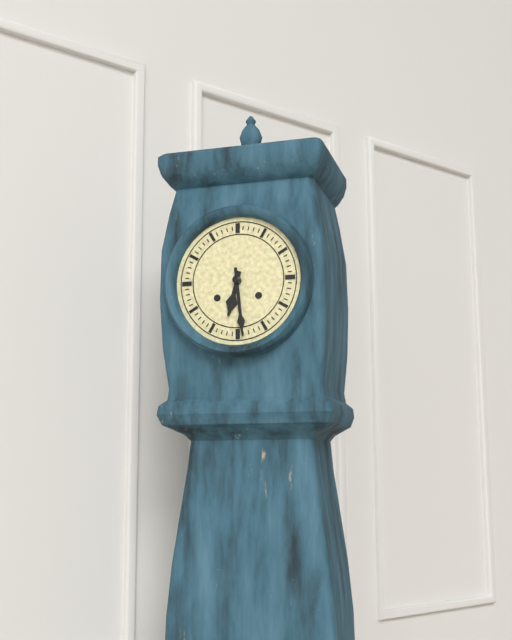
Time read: **6:29**
